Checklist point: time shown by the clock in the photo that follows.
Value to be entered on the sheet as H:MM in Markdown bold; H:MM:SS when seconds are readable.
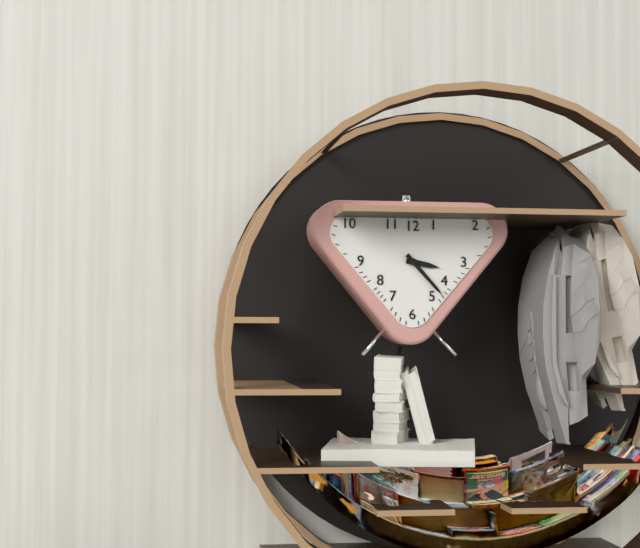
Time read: **3:23**
